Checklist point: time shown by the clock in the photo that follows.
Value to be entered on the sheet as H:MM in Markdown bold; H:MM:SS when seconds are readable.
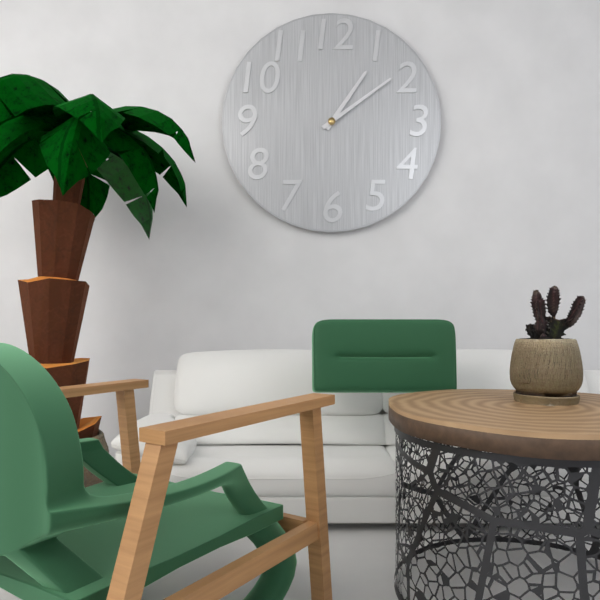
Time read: **1:09**
